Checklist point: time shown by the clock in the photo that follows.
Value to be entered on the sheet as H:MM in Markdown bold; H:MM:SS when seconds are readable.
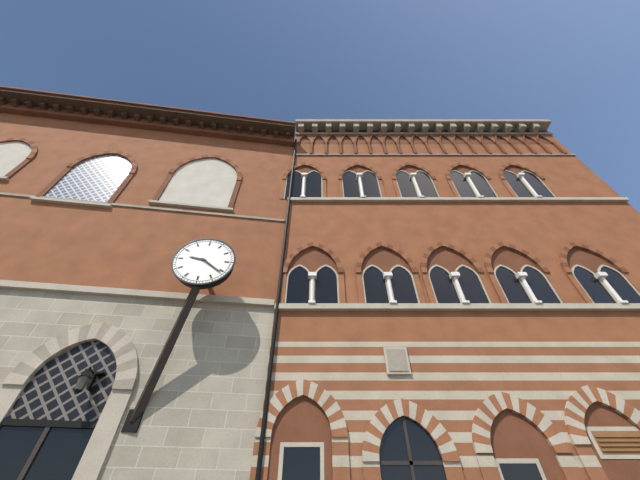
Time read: **9:21**
